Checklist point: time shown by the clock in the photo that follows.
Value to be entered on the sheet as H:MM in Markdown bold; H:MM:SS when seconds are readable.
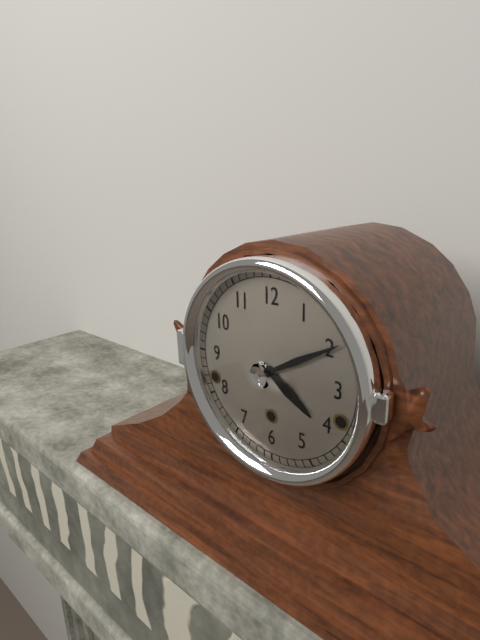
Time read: **4:10**
